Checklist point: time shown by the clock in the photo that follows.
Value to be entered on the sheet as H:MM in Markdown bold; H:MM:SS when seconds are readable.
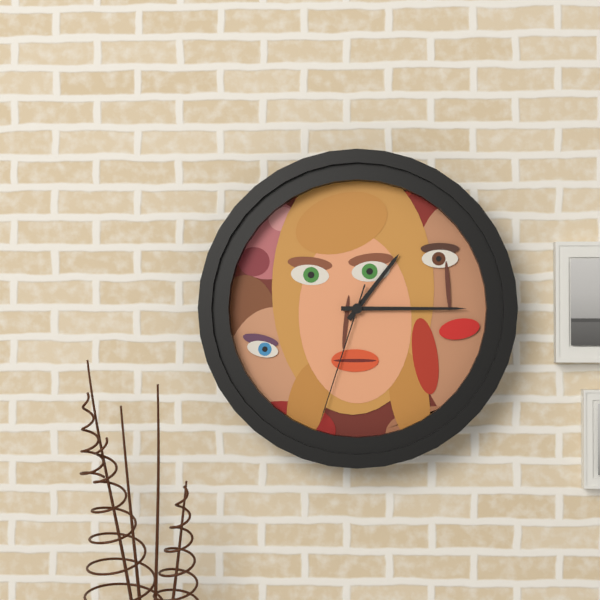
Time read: **1:15:33**
